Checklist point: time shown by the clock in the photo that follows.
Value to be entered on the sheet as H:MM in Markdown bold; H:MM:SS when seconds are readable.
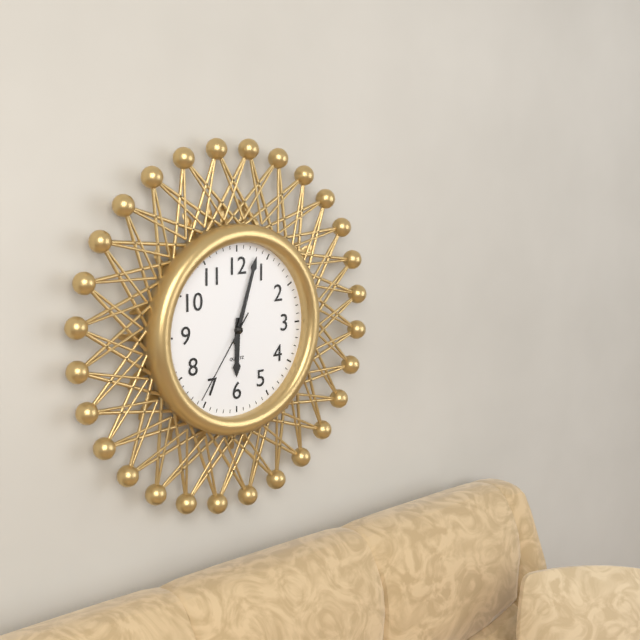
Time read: **6:03:36**
